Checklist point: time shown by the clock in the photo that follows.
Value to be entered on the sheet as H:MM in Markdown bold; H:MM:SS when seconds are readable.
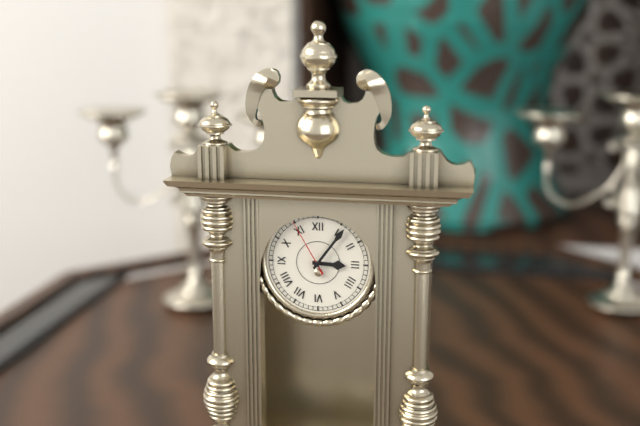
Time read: **3:06:55**
